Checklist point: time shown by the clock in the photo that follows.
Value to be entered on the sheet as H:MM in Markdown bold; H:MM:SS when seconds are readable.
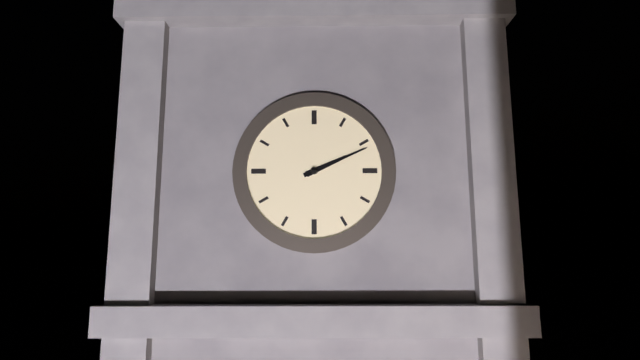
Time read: **2:11**
